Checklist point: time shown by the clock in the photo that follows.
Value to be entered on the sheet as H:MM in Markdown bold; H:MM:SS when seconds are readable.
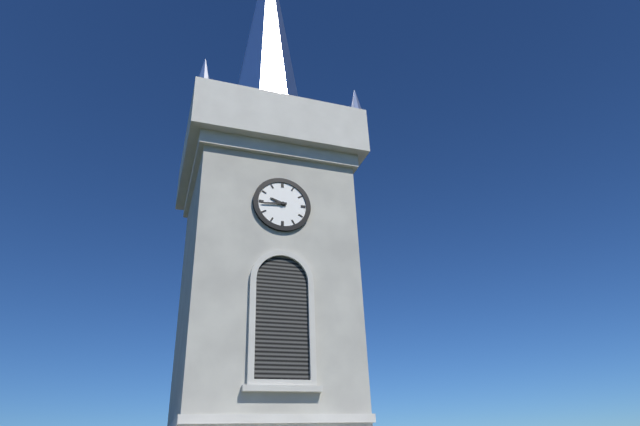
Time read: **9:44**
